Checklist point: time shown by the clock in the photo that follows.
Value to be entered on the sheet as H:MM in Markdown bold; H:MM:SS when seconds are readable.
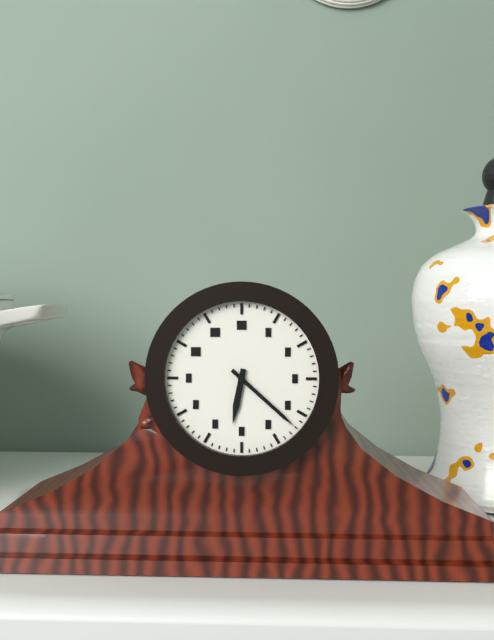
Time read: **6:22**
